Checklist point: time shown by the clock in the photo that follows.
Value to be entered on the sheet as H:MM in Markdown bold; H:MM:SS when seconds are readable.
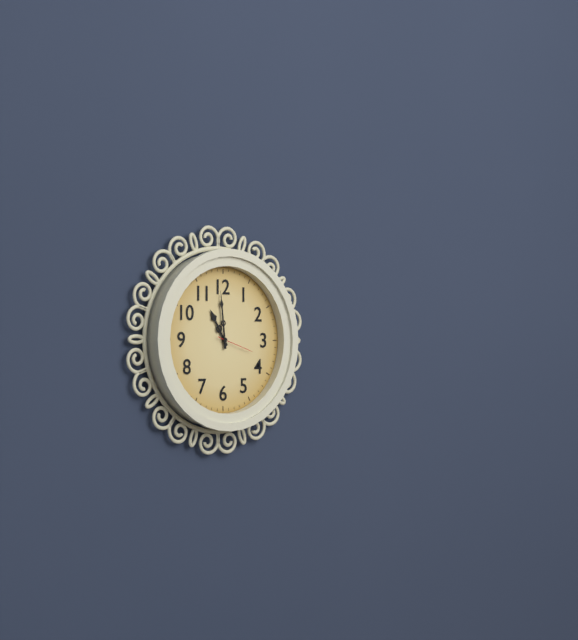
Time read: **10:59**
